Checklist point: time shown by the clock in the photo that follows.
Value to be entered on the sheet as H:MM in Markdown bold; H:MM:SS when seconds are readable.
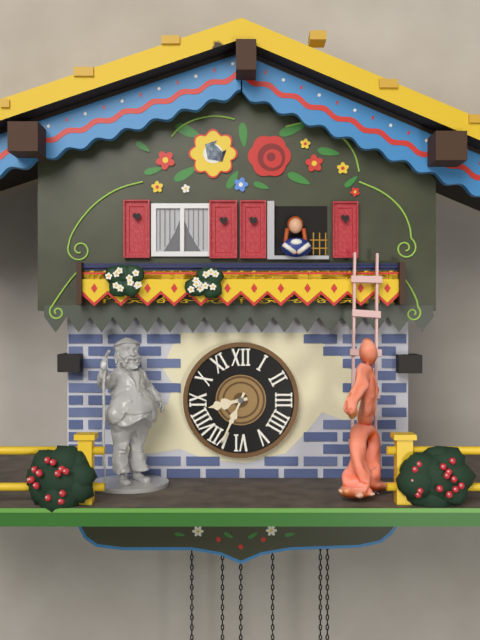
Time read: **8:34**
